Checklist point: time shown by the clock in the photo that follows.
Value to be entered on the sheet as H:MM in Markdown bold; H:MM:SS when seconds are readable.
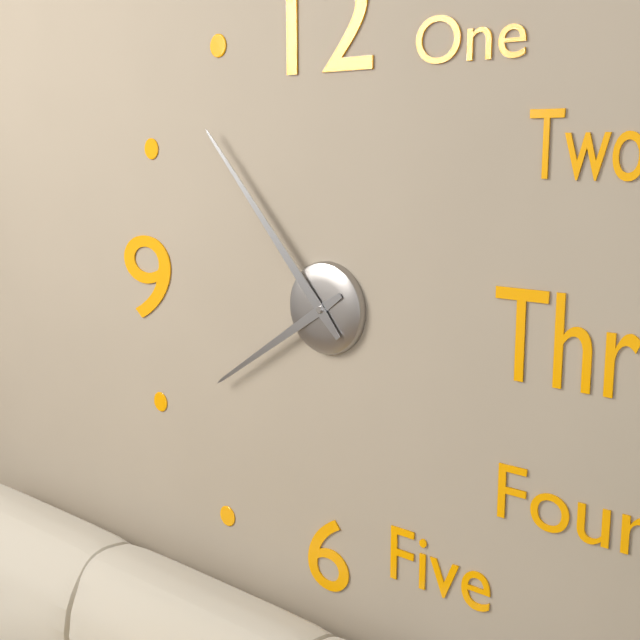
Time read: **7:53**
